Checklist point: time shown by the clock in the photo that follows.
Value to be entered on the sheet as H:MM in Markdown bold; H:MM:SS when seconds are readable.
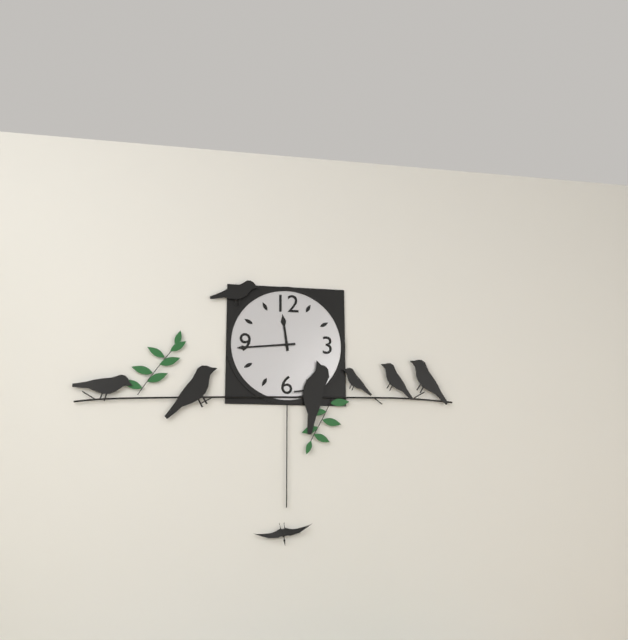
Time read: **11:44**
